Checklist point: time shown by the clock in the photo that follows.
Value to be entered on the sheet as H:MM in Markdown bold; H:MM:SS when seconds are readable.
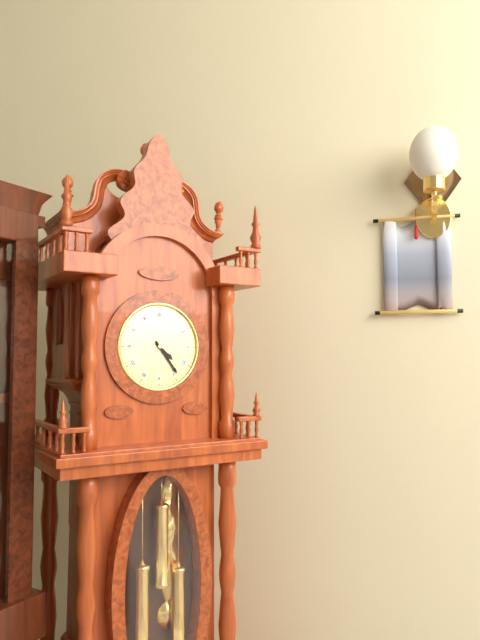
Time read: **4:24**
